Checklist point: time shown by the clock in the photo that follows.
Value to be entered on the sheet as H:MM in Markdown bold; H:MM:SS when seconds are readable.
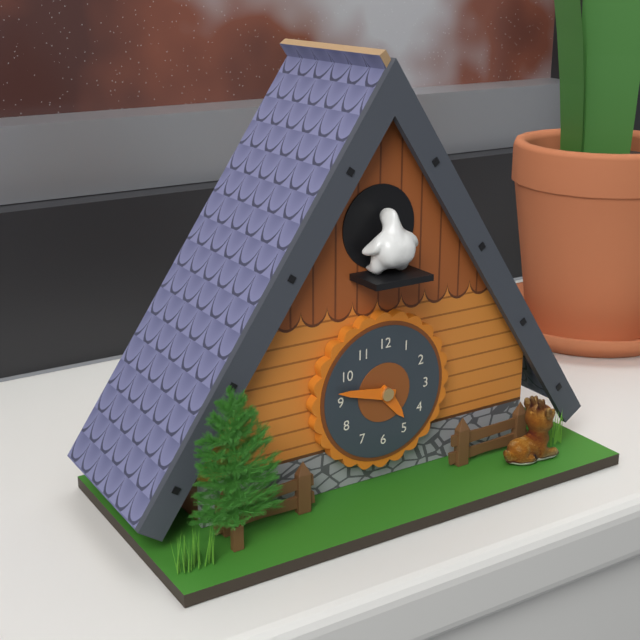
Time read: **4:47**
